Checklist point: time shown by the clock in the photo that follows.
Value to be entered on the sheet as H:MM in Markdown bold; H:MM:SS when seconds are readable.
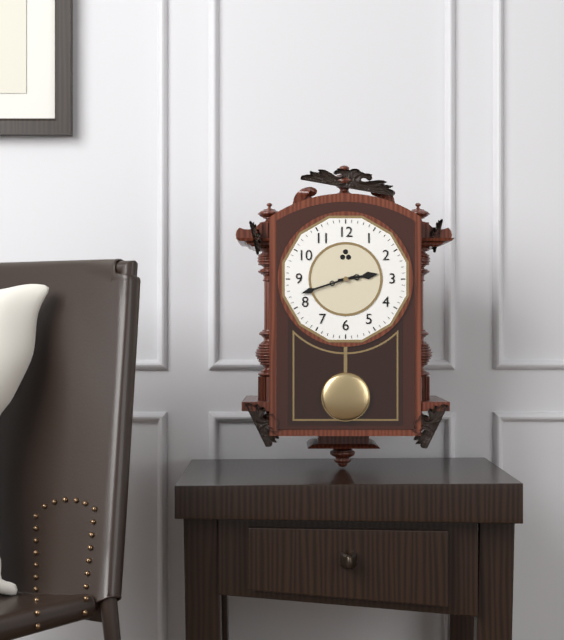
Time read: **2:42**
